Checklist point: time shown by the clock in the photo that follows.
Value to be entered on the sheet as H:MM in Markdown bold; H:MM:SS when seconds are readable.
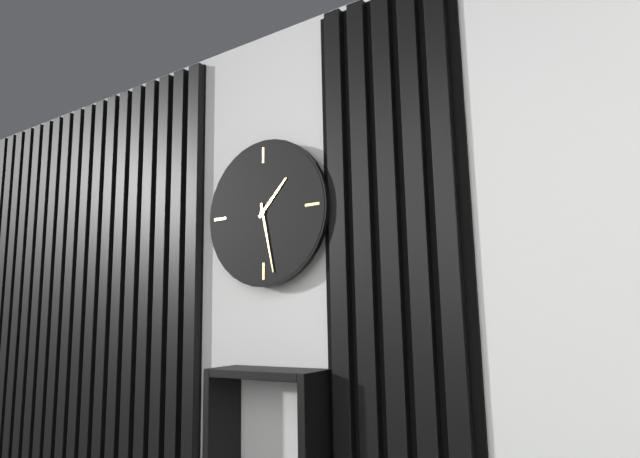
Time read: **1:28**
